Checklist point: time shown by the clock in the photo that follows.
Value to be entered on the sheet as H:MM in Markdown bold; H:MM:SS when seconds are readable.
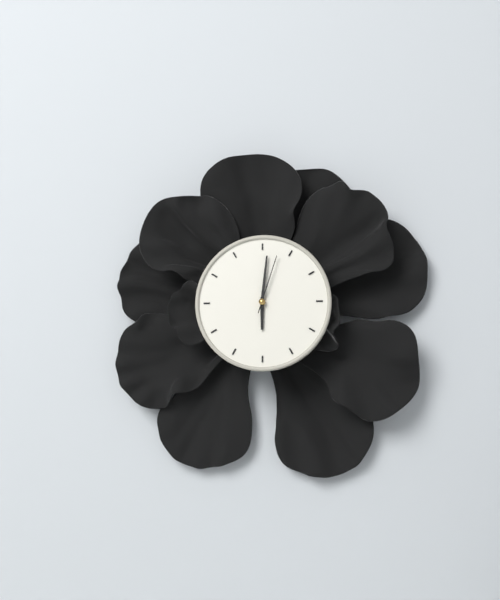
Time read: **6:01:03**
